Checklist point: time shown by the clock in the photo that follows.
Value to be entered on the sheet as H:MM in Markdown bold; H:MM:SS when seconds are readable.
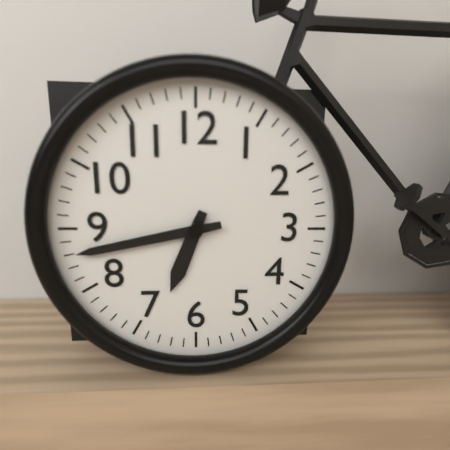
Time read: **6:43**
